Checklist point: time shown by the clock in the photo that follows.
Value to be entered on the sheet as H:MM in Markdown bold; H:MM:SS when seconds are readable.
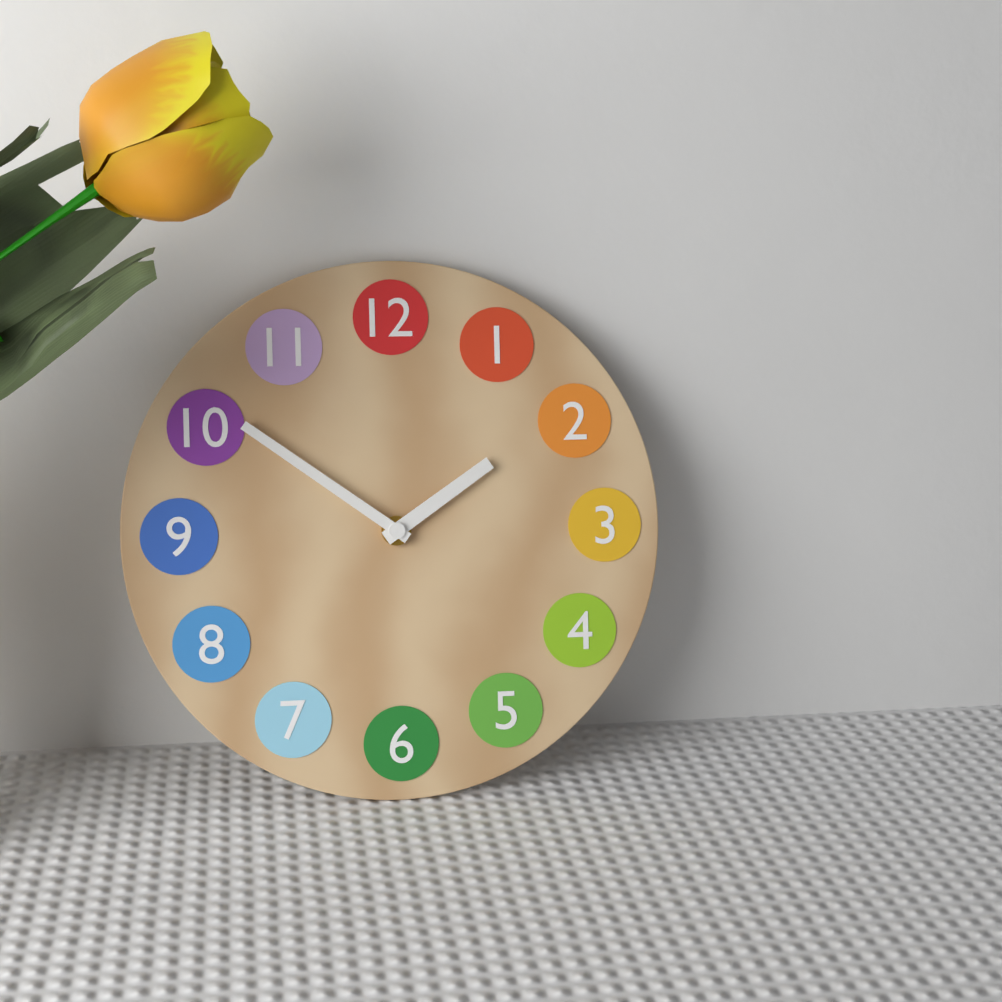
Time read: **1:51**
